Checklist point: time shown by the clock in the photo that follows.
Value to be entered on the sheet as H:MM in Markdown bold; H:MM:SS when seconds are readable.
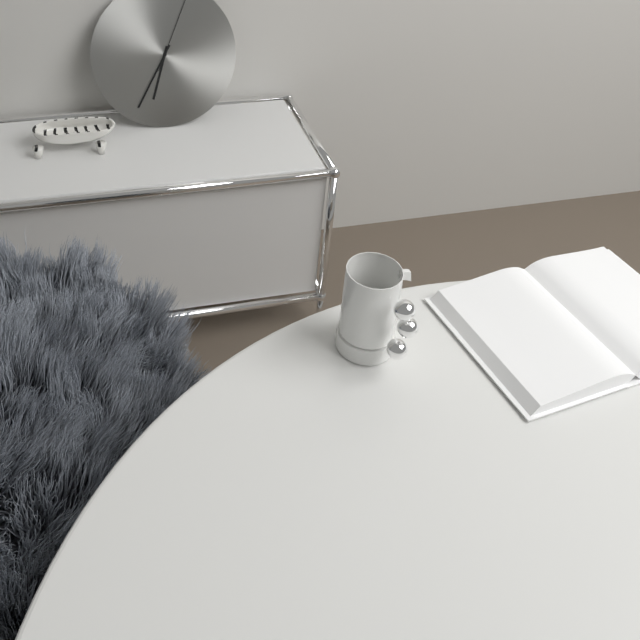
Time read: **6:35**
